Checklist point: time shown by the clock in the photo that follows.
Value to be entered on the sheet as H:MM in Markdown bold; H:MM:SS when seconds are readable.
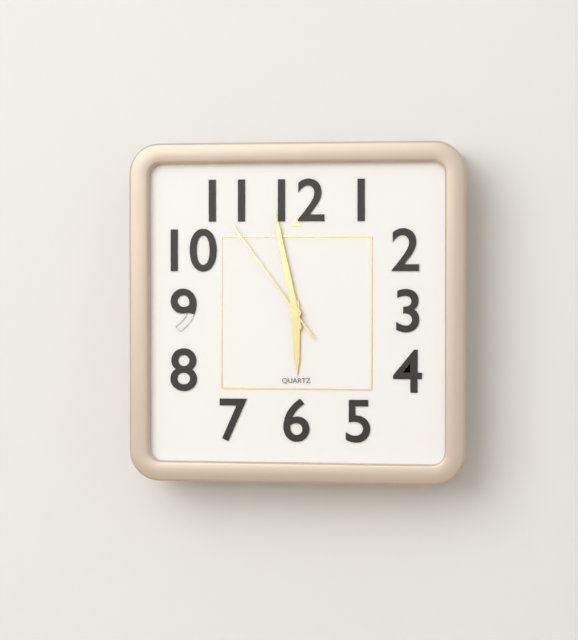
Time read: **5:58:54**
